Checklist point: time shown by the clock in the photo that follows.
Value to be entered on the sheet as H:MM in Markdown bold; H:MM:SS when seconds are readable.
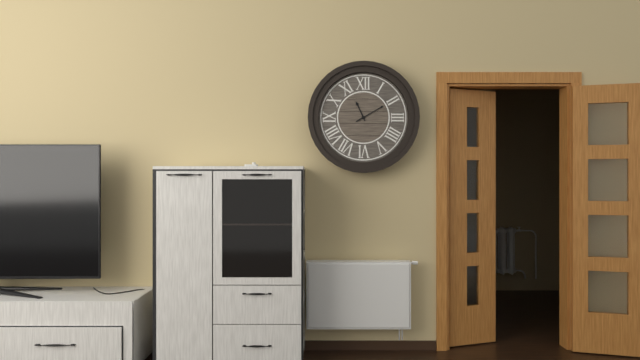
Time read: **11:10**
